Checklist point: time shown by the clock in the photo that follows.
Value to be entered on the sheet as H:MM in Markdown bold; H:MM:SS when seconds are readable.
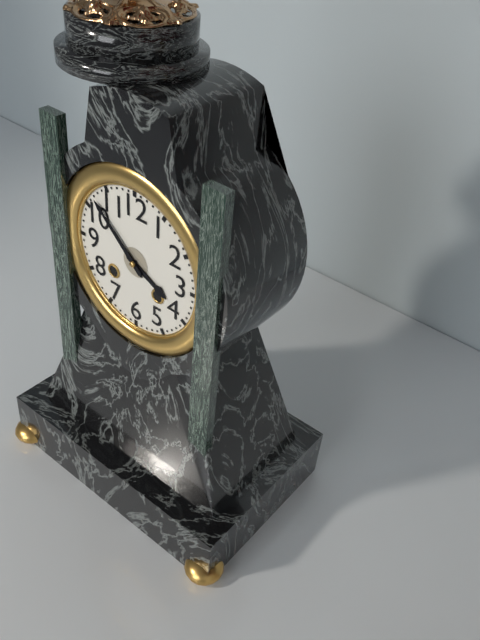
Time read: **3:52**
